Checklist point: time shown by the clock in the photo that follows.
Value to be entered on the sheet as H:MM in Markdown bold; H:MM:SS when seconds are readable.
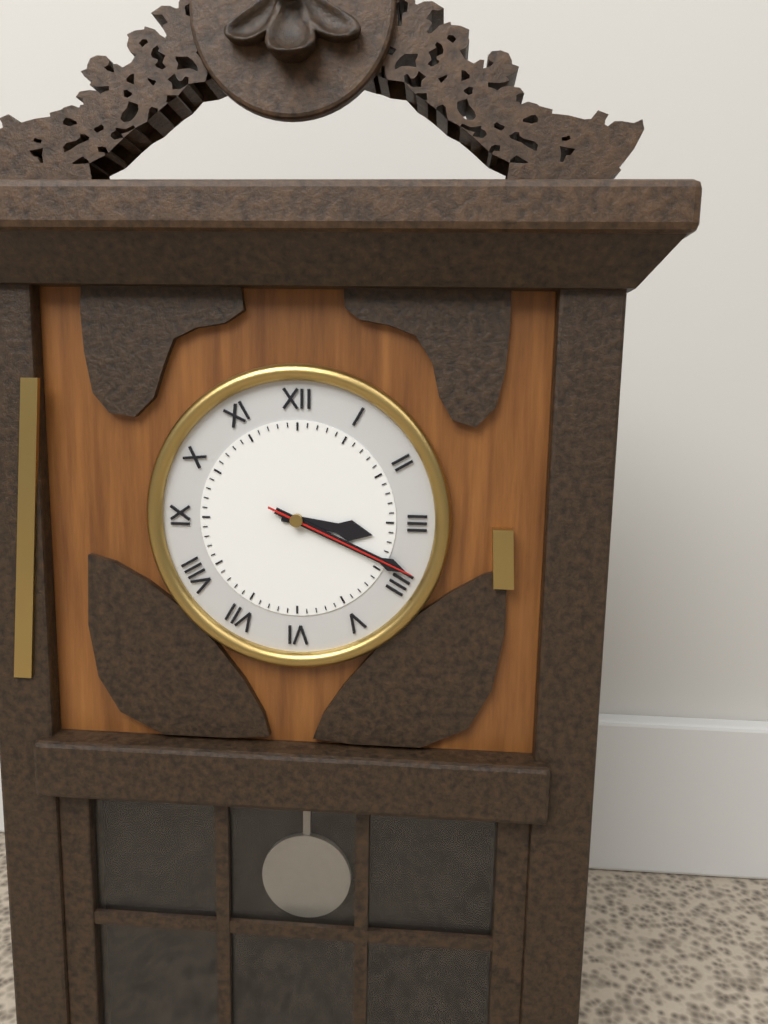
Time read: **3:19:19**
